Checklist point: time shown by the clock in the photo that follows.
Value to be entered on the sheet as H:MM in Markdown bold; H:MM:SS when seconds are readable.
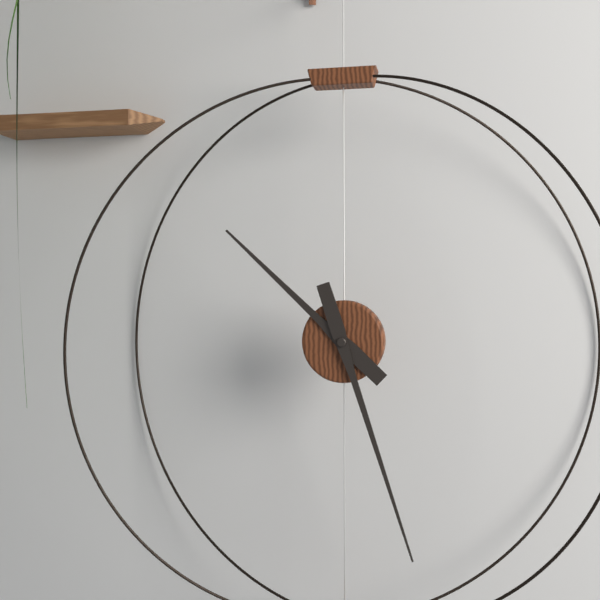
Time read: **10:27**
